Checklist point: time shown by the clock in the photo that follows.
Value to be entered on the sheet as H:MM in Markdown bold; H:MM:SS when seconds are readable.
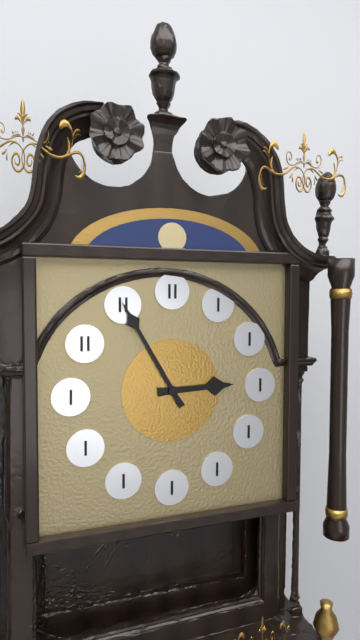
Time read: **2:55**
